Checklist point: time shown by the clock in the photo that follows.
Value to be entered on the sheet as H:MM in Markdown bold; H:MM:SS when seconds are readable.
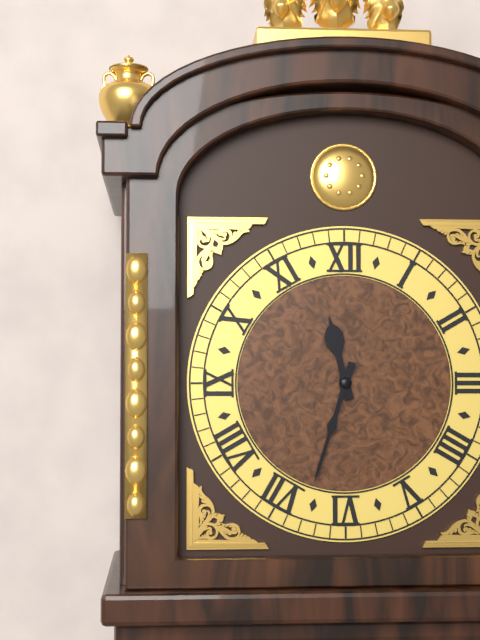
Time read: **11:33**
